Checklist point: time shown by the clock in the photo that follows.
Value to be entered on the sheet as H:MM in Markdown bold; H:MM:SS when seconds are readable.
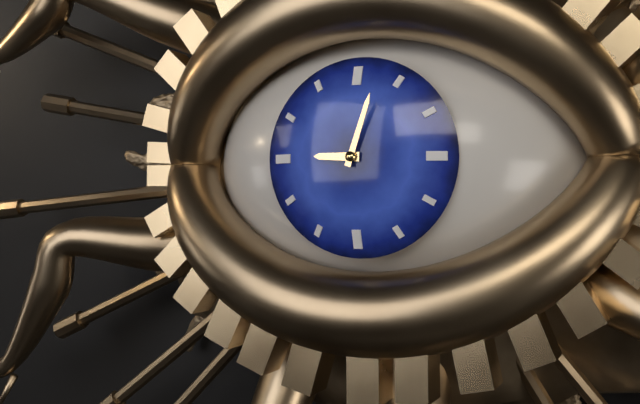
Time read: **9:03**
